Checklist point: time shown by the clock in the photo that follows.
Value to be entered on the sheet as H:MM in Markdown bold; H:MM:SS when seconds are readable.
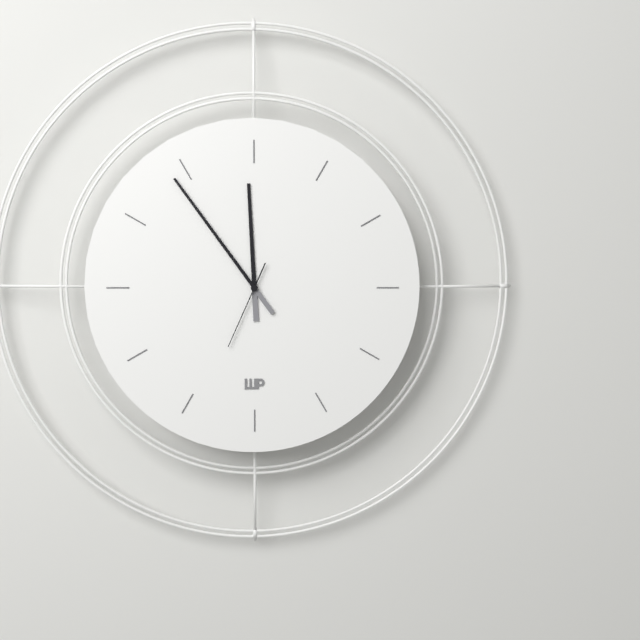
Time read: **11:54:34**
